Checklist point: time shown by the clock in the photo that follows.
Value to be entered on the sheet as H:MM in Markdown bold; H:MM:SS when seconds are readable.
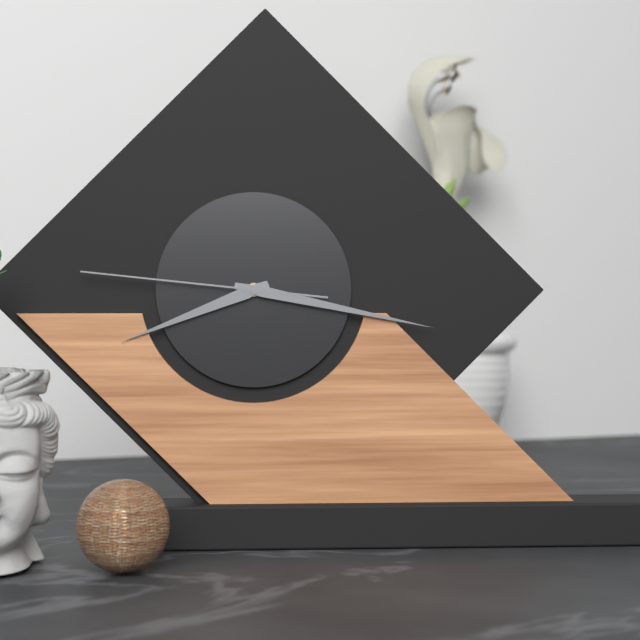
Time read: **8:17:46**
